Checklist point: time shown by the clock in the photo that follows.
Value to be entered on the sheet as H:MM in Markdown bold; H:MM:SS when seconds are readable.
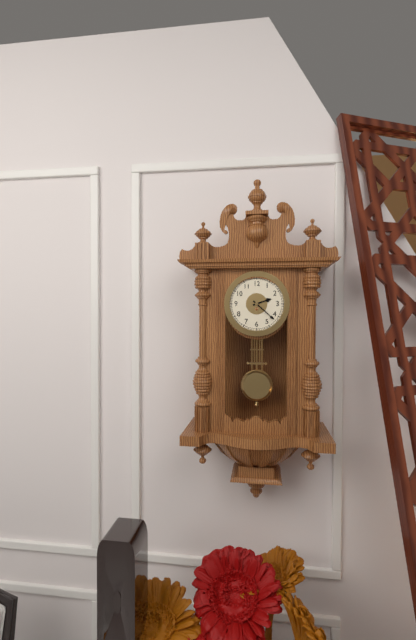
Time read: **2:22**
